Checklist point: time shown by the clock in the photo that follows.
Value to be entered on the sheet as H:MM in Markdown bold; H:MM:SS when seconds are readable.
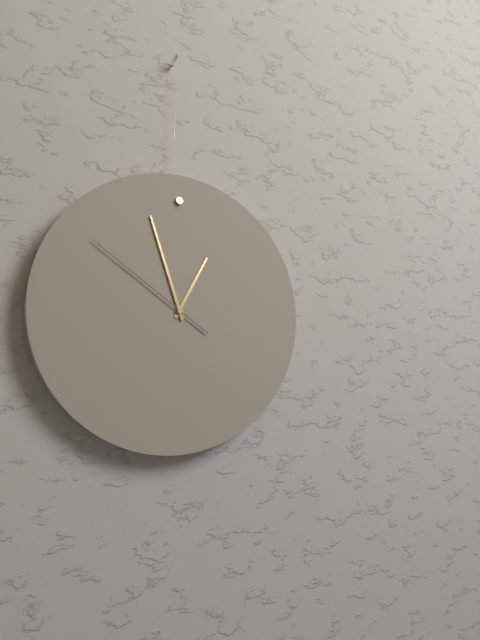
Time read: **12:57:51**
